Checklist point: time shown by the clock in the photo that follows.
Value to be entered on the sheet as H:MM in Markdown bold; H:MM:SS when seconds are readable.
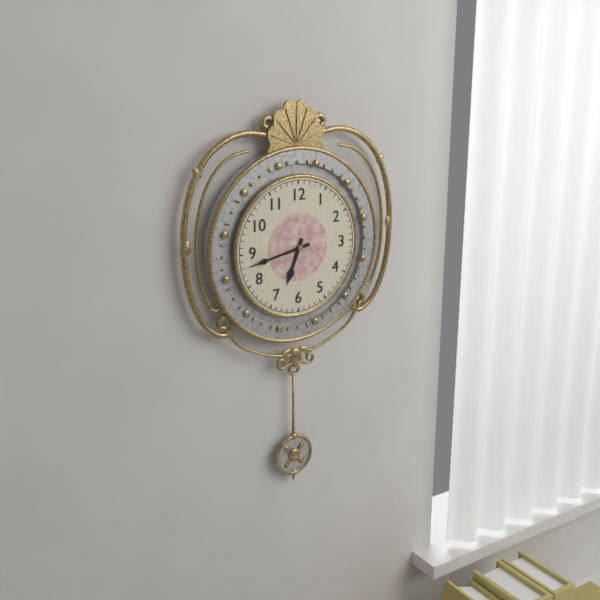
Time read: **6:43**
